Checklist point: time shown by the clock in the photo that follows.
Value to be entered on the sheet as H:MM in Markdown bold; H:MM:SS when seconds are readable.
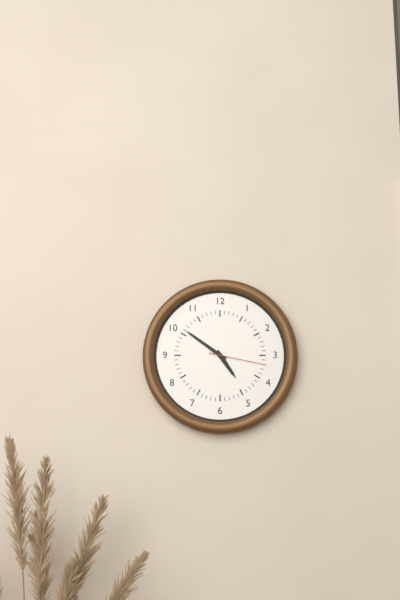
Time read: **4:51:17**
